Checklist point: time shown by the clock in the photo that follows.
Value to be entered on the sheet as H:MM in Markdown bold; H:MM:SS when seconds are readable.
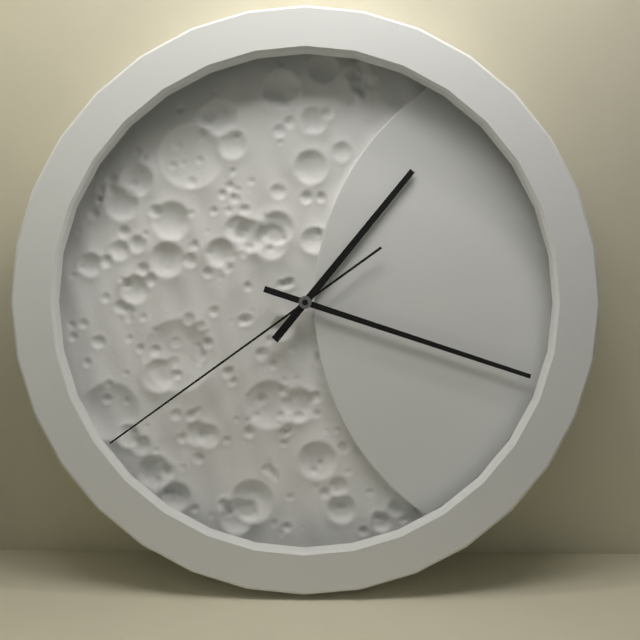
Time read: **1:18:39**
